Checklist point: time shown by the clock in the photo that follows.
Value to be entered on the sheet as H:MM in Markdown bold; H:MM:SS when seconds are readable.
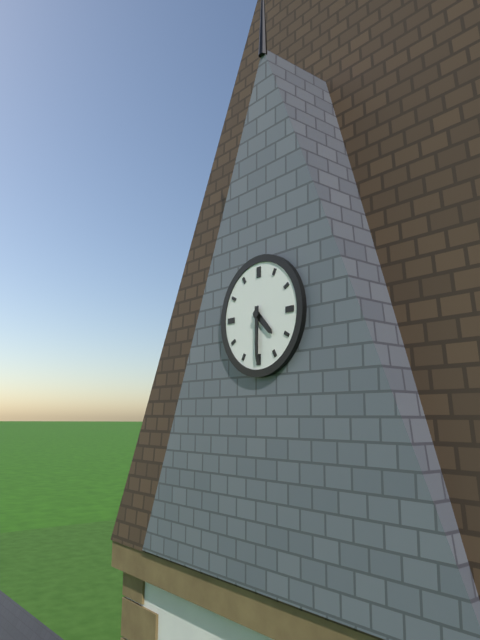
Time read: **4:30**
